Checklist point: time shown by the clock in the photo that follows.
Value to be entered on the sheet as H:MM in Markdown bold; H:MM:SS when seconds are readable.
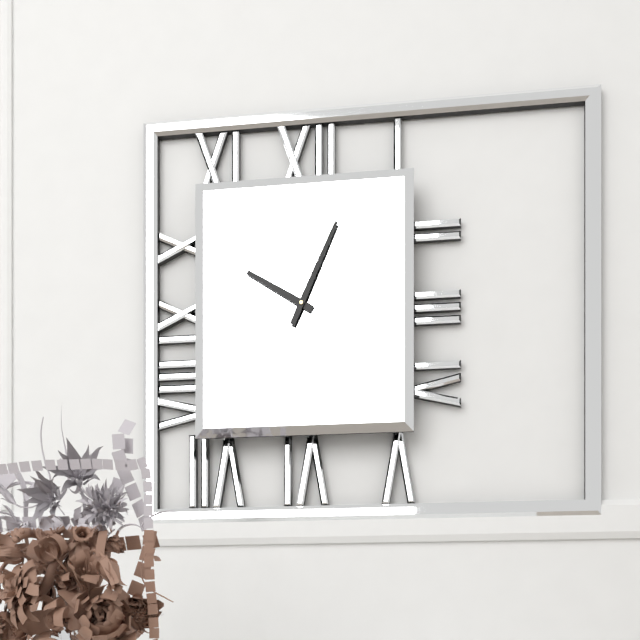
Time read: **10:04**
